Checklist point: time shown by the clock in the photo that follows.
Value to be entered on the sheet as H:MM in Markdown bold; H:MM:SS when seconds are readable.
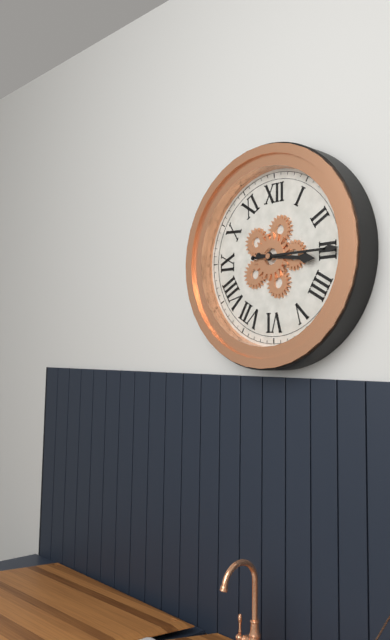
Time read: **3:15**
